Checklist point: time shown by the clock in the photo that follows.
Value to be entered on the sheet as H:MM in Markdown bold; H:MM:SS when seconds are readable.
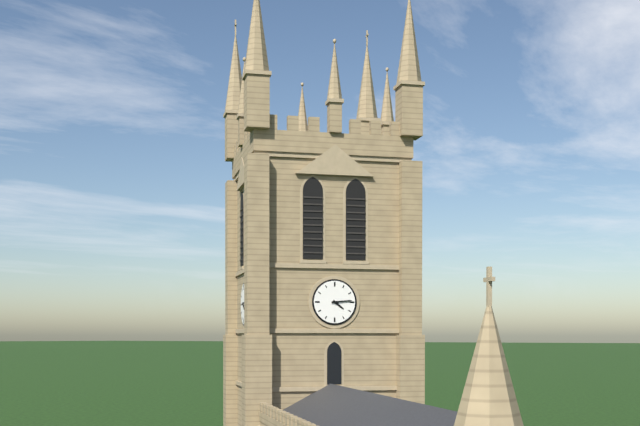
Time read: **4:14**
